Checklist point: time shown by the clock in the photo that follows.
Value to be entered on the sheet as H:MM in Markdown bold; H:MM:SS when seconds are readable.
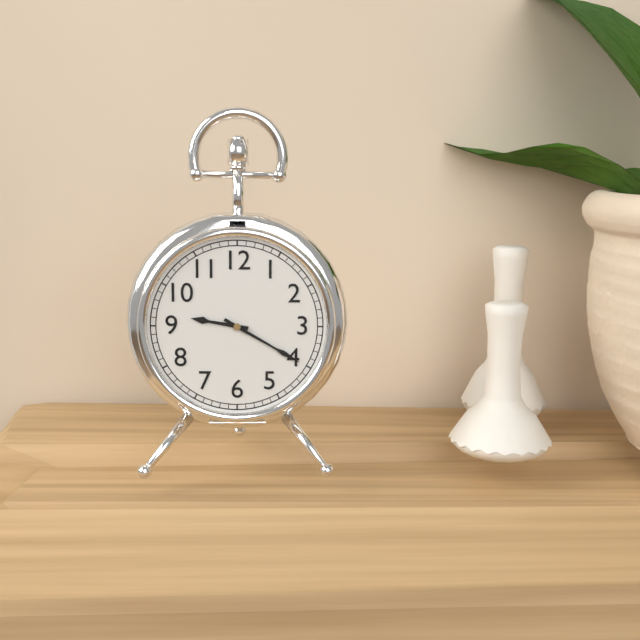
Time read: **9:20**
